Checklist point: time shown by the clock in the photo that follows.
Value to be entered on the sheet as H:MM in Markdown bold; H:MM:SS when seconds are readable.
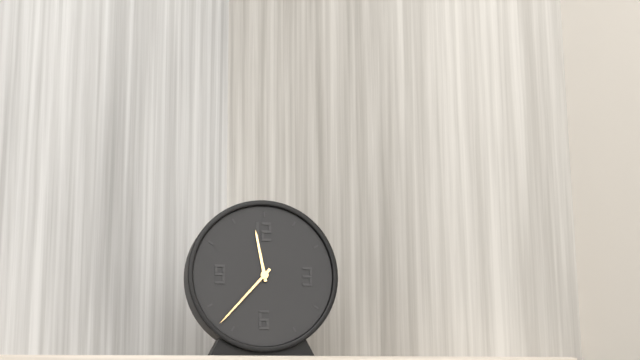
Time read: **11:37**
